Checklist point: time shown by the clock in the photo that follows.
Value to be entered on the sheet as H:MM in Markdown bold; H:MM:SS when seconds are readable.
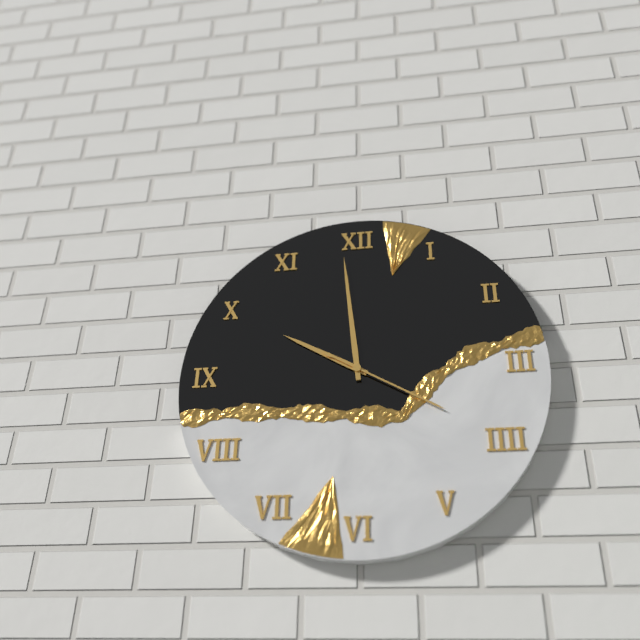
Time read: **9:59:20**
